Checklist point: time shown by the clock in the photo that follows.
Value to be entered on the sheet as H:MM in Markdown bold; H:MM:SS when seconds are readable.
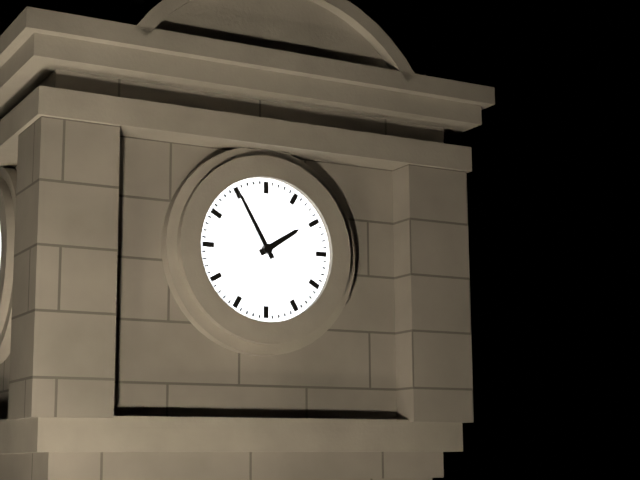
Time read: **1:55**
